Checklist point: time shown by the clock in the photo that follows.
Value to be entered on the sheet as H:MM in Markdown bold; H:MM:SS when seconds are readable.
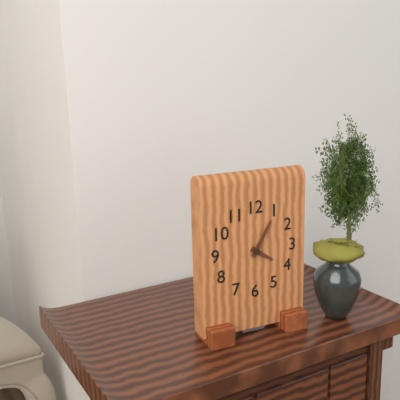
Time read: **4:05**
